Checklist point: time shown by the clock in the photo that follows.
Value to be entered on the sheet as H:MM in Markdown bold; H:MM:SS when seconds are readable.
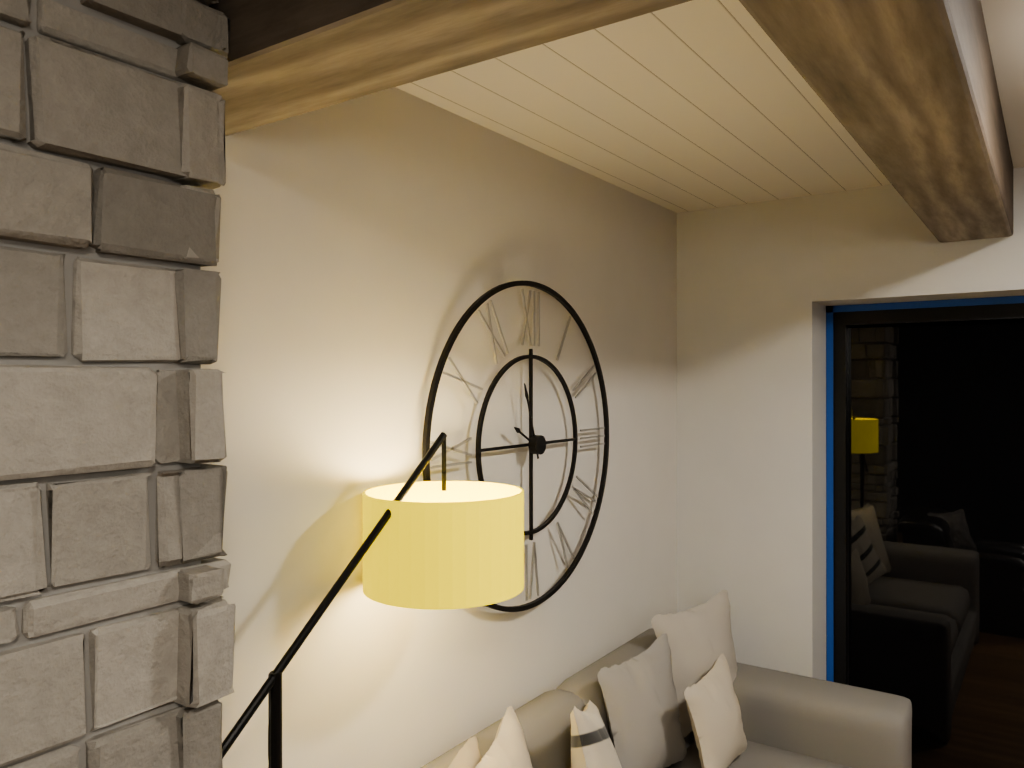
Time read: **9:57**
